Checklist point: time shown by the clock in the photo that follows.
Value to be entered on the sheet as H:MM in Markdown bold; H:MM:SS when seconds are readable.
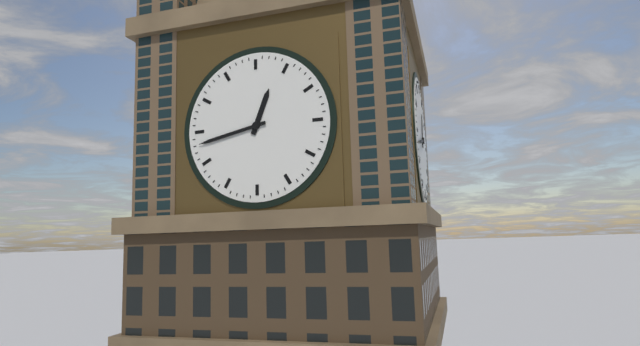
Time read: **12:43**
